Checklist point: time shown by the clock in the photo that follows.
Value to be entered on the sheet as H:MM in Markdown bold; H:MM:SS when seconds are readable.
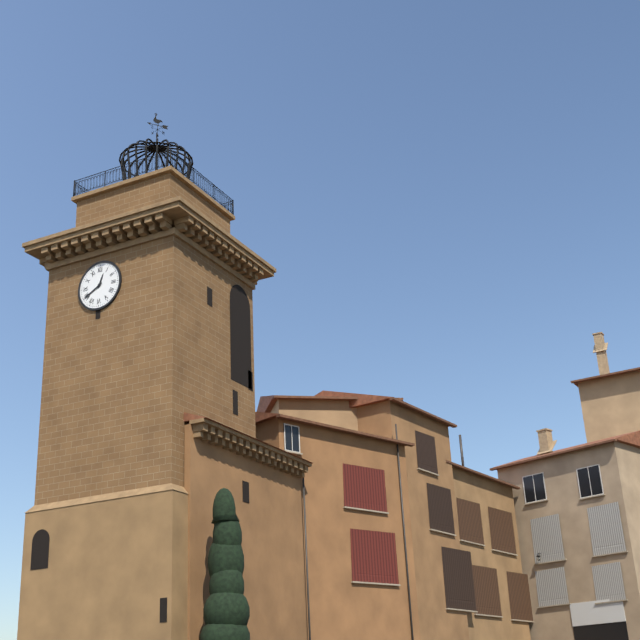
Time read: **12:40**
